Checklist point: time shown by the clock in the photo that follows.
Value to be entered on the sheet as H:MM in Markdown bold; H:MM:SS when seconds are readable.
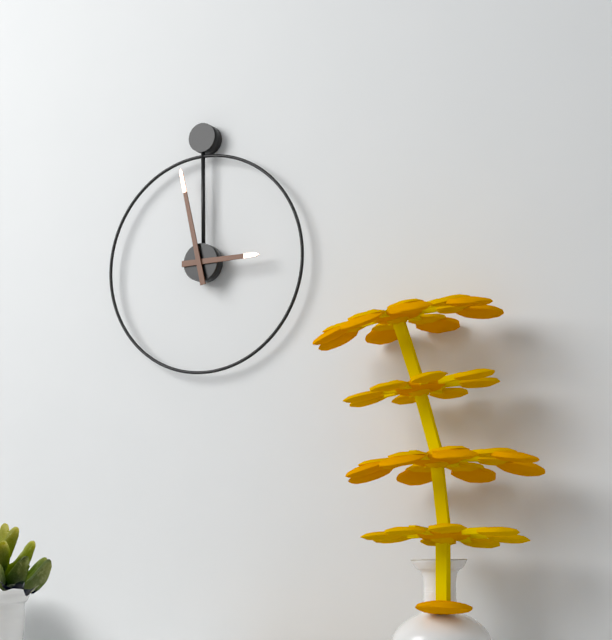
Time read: **2:58**
